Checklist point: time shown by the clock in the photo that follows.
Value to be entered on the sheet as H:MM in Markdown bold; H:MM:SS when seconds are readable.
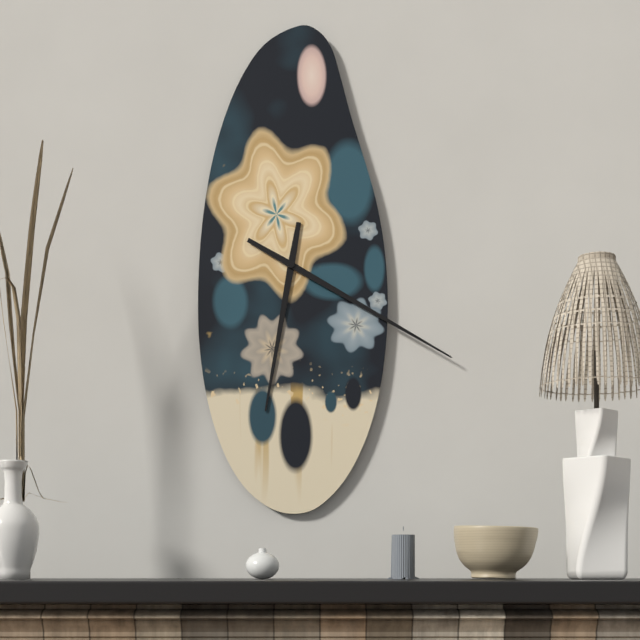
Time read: **6:20**
